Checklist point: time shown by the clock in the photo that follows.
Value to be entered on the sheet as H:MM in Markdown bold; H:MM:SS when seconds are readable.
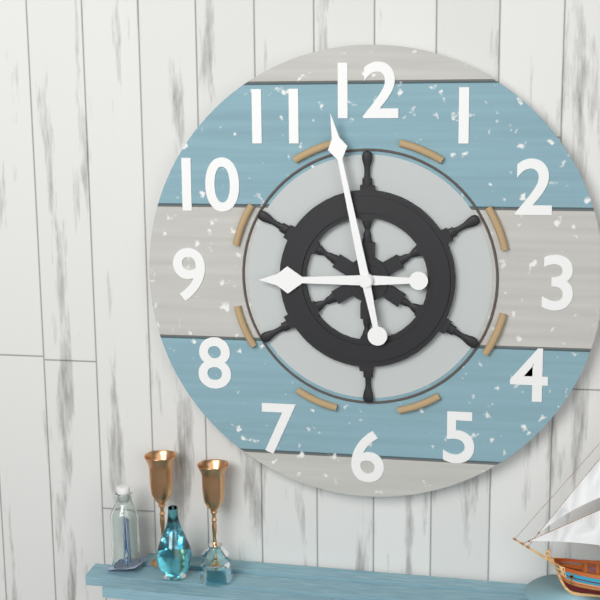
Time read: **8:58**
